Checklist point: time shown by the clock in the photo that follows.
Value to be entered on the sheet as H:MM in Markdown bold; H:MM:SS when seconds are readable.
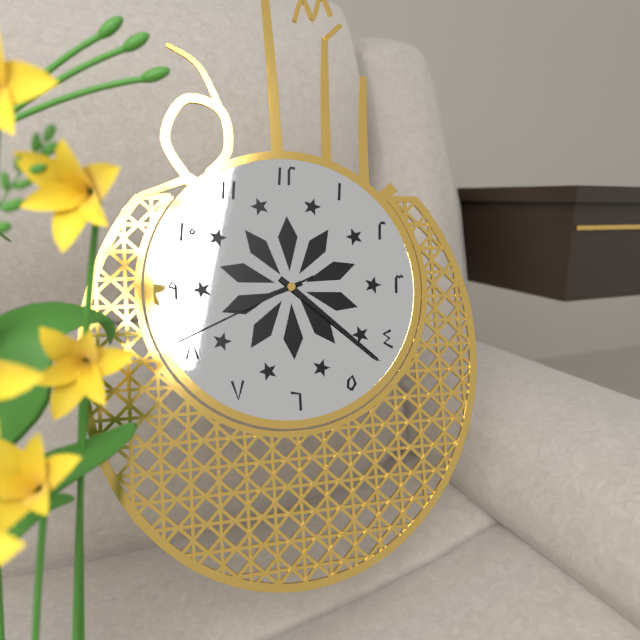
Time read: **8:22:41**
